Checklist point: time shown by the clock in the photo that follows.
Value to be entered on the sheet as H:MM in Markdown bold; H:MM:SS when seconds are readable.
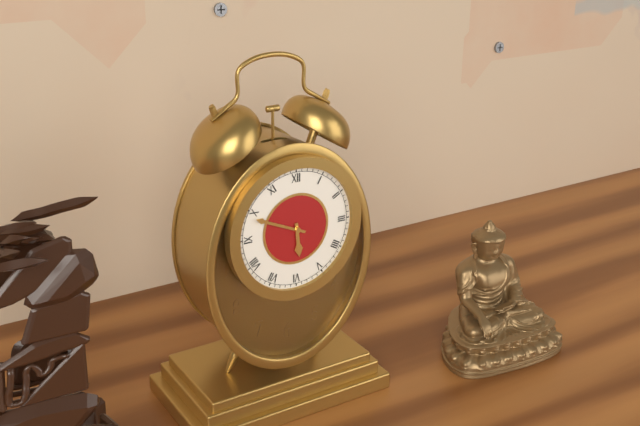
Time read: **5:49**
